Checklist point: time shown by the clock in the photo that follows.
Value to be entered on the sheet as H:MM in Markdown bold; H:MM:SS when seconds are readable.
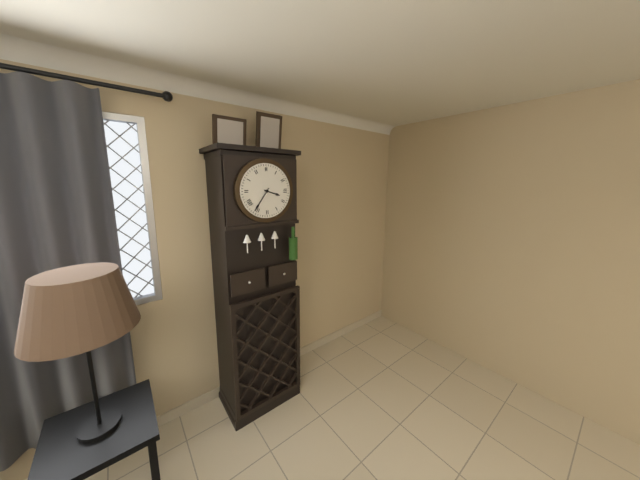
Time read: **3:36**
